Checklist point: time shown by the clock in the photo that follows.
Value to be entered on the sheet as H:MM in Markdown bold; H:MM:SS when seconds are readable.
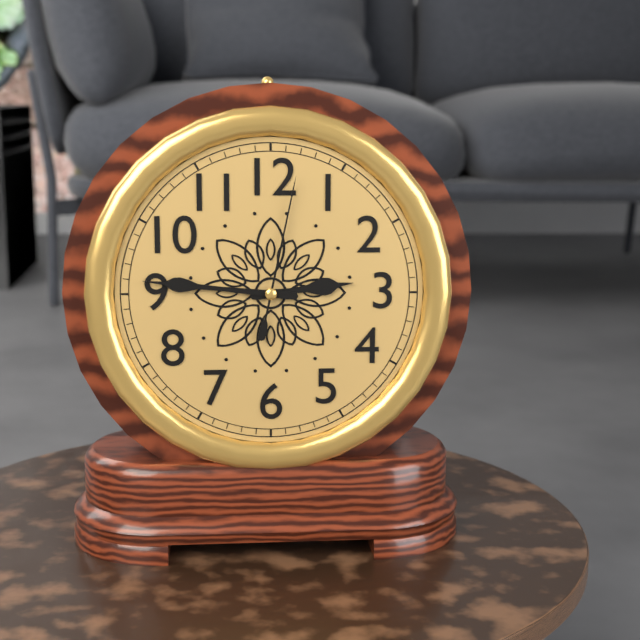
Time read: **2:46:02**
